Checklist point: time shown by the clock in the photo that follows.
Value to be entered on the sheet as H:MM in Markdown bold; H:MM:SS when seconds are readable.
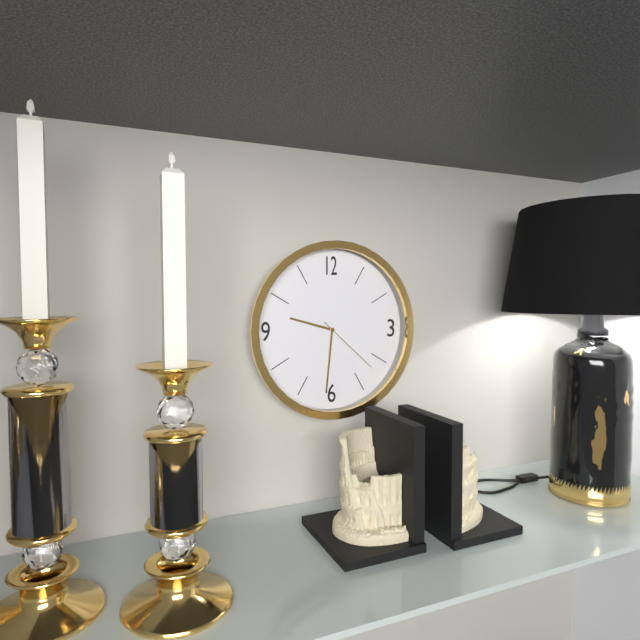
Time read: **9:31:22**
